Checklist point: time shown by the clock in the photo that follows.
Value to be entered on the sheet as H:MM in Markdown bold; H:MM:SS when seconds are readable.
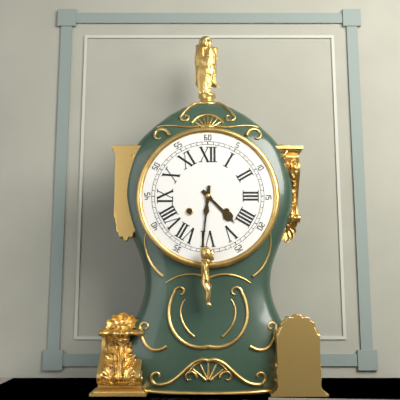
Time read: **4:31**
